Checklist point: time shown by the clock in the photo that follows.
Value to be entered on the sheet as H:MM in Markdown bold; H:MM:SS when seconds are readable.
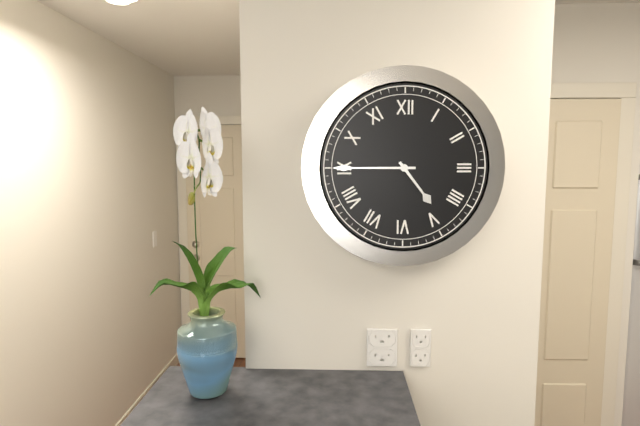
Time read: **4:45**
